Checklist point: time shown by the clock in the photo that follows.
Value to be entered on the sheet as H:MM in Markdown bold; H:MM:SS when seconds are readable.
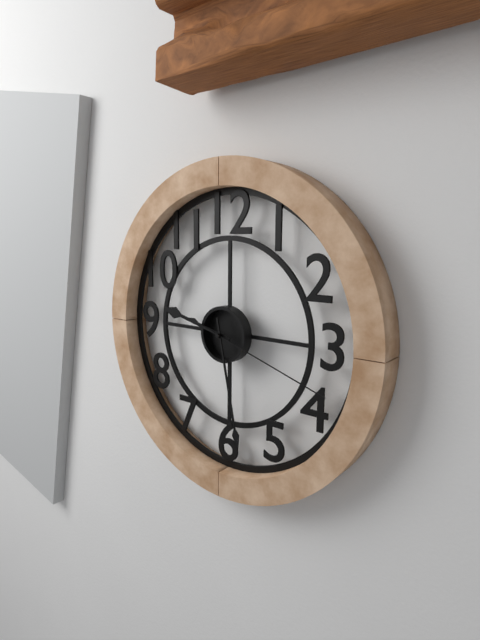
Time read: **9:28:18**
